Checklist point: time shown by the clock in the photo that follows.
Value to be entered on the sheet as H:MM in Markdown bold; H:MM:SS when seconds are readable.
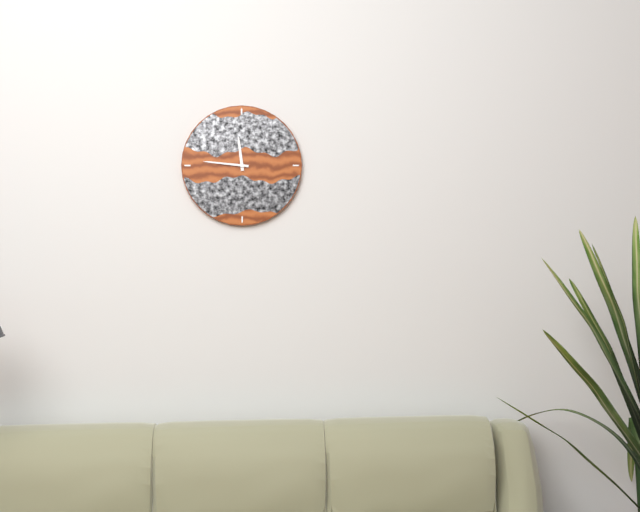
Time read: **11:46**
